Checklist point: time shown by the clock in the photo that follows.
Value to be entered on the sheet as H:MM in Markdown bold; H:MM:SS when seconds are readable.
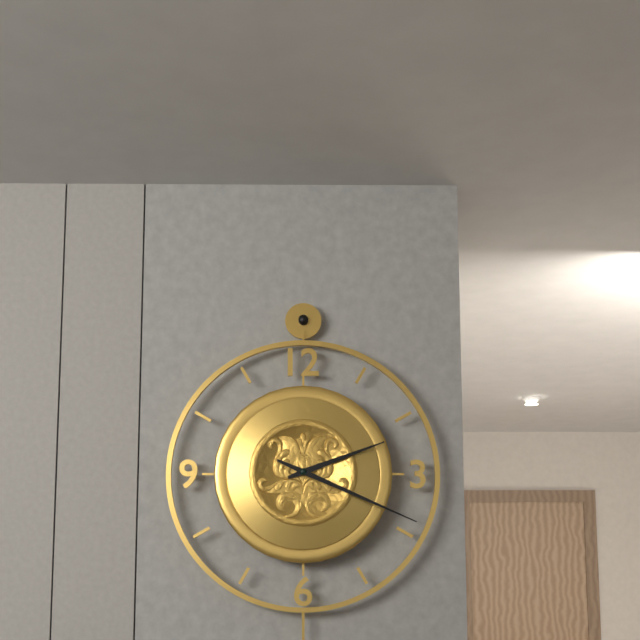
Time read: **2:19**
